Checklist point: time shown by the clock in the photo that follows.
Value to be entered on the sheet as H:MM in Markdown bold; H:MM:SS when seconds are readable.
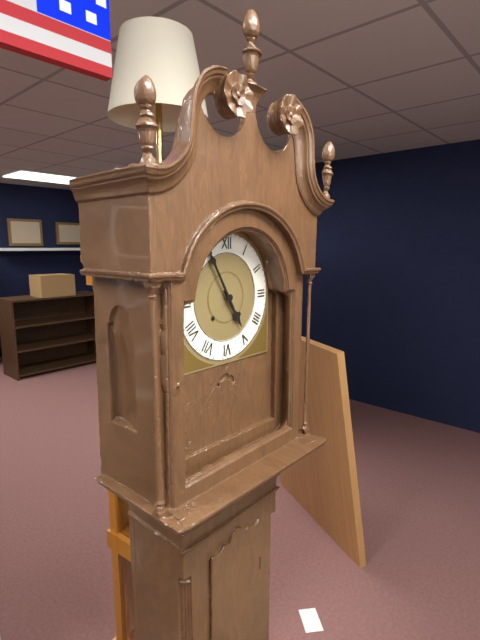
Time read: **4:55**
